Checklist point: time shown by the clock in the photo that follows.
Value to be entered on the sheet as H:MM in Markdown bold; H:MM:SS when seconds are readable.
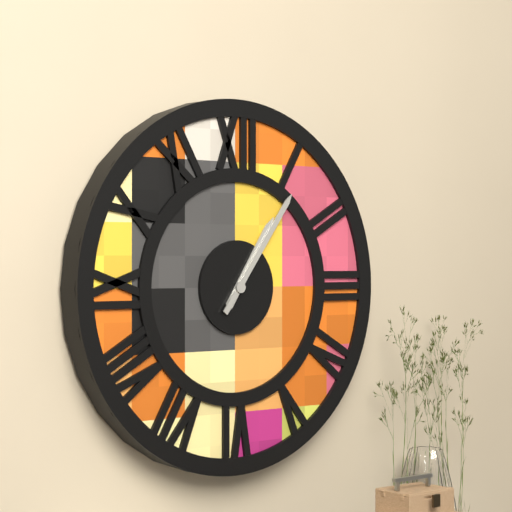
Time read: **1:06**
